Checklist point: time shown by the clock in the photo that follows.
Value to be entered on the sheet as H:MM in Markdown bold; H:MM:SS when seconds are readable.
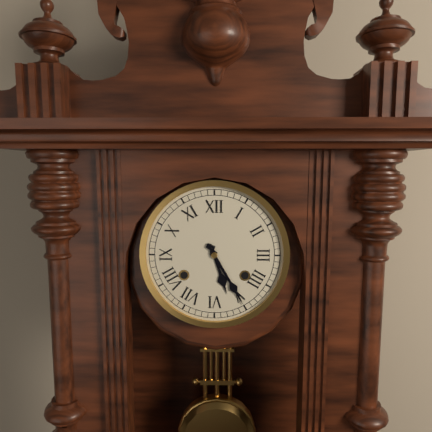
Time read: **5:25**
